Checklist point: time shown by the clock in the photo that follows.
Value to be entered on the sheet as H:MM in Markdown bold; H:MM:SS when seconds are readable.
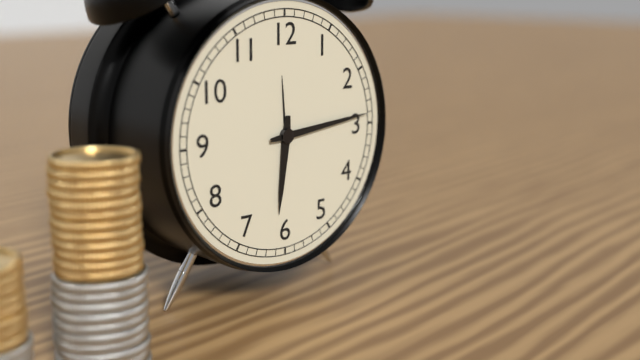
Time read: **6:14**
